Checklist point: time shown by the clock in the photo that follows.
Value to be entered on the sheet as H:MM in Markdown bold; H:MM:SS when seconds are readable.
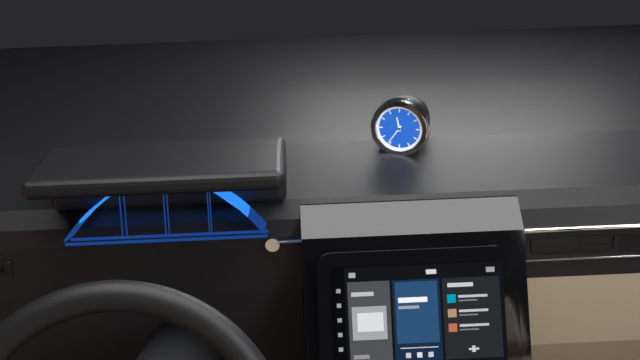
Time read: **11:36**
